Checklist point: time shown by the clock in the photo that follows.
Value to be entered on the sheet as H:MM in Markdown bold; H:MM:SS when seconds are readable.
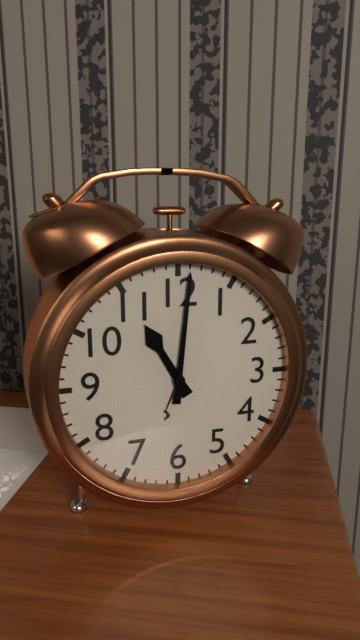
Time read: **11:01**
